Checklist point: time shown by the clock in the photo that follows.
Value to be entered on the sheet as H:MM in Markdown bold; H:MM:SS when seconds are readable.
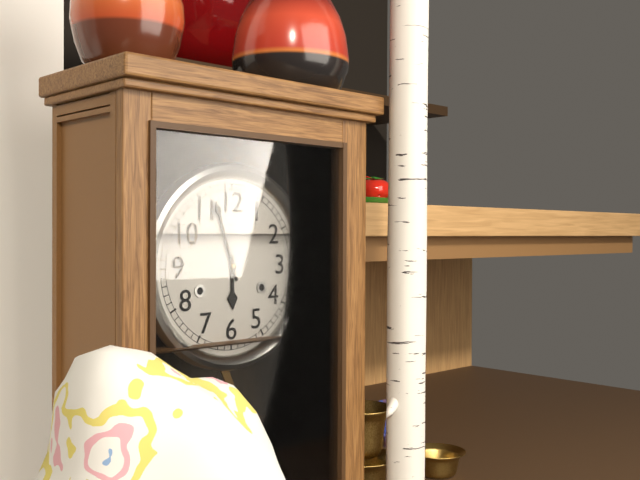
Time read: **5:57**
